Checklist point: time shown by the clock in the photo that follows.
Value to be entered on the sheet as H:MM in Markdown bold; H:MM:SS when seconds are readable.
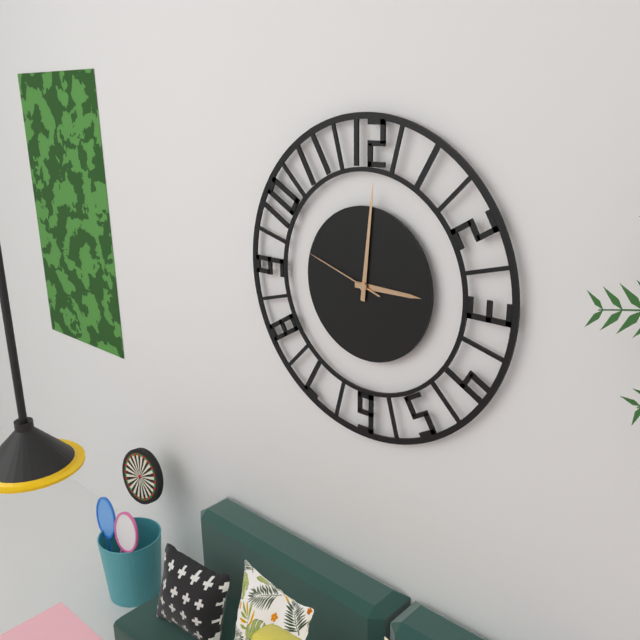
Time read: **3:01:48**
